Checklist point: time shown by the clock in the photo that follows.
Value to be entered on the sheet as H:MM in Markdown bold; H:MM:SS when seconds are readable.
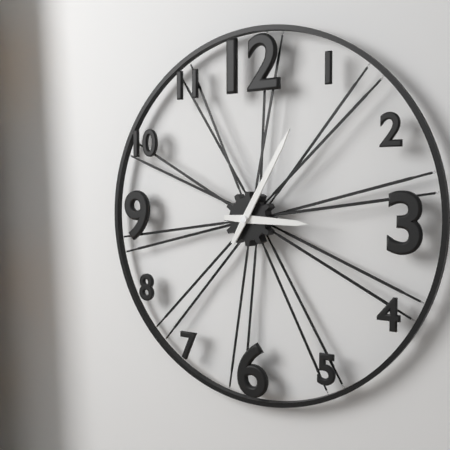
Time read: **3:05**
